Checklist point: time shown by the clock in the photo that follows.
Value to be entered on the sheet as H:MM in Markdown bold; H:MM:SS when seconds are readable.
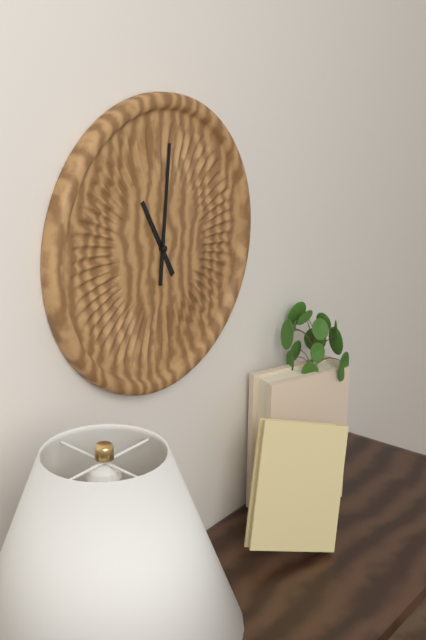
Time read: **11:01**
